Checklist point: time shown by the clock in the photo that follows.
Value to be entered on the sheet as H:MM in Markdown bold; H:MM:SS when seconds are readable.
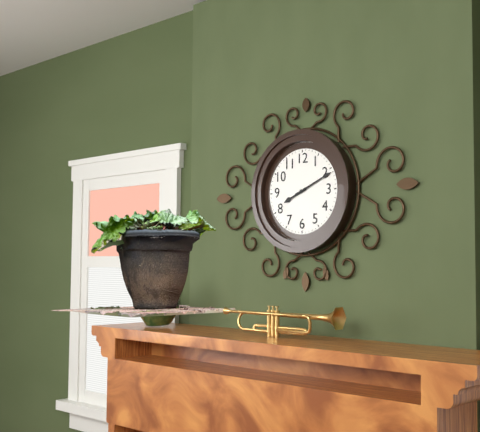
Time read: **8:11**
